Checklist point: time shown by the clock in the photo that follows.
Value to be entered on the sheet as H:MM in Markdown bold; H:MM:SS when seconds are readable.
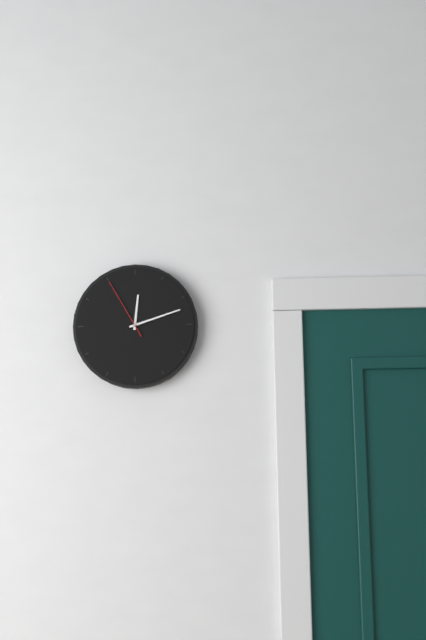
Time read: **12:12:55**
